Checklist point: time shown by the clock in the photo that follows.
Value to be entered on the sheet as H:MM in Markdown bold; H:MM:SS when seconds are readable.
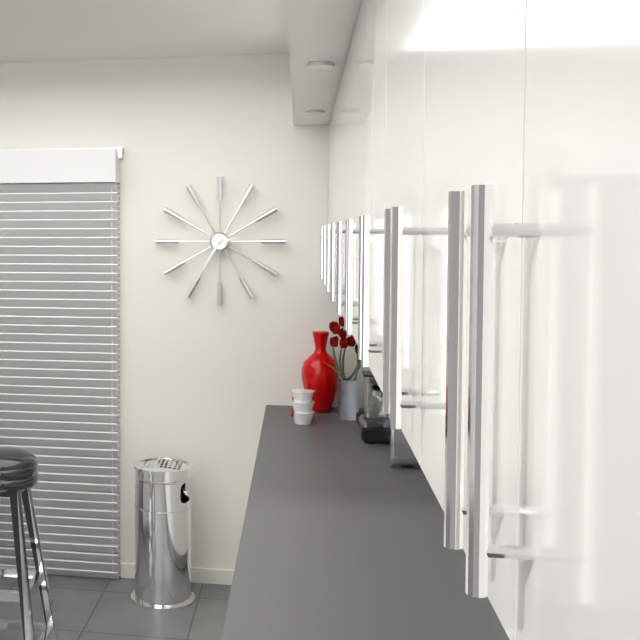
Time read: **2:35**
